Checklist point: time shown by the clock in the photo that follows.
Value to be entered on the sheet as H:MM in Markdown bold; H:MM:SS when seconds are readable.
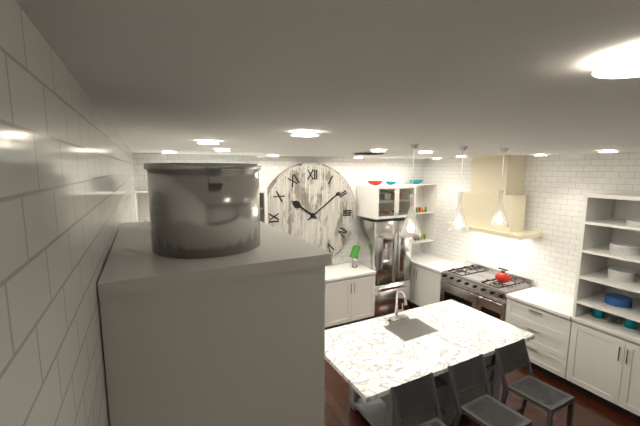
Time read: **10:09**
